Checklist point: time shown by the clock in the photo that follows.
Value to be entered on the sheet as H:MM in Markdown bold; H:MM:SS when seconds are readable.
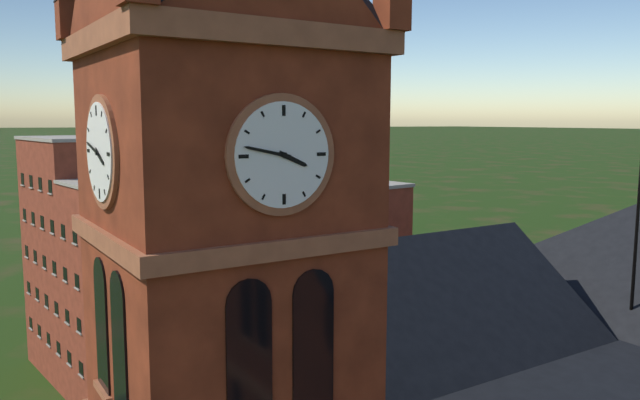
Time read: **3:47**
